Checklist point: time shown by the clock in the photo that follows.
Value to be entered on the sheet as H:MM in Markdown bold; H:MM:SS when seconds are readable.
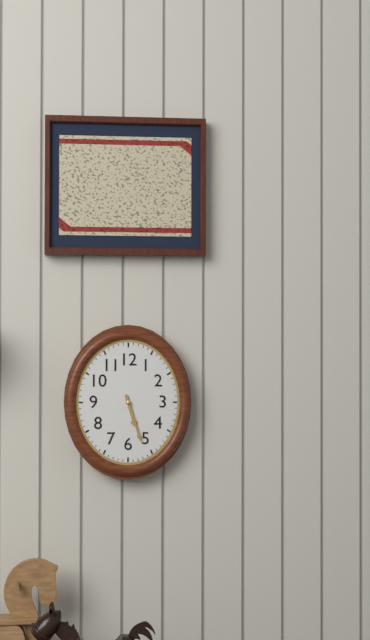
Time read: **5:27**
